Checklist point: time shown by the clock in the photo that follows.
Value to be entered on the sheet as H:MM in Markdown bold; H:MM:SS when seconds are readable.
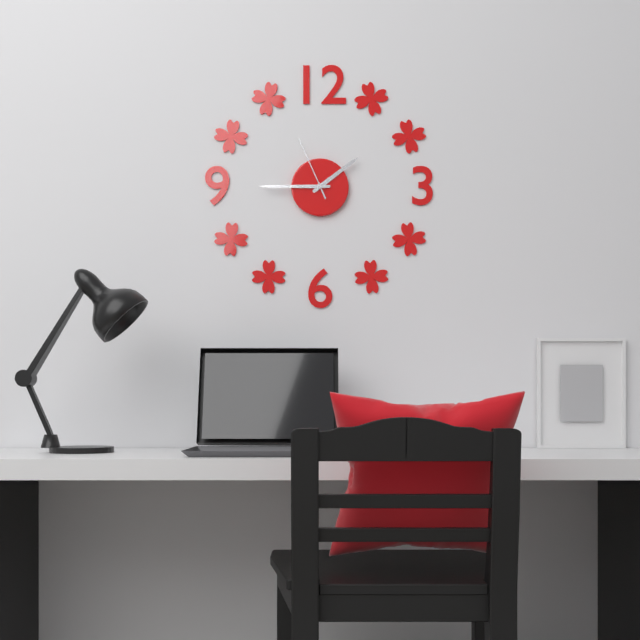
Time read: **1:45:56**
